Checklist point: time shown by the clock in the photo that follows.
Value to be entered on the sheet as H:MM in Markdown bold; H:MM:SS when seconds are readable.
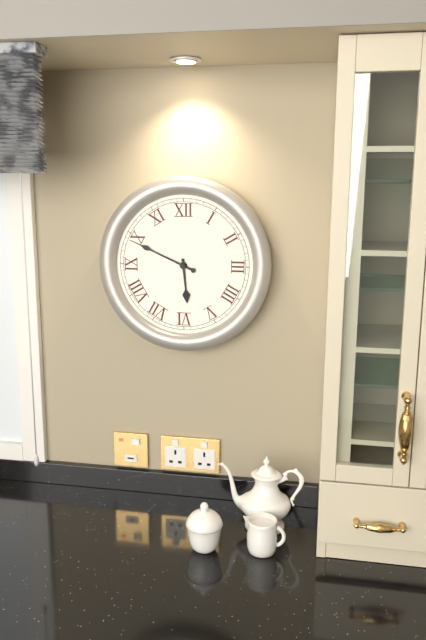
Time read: **5:49**
